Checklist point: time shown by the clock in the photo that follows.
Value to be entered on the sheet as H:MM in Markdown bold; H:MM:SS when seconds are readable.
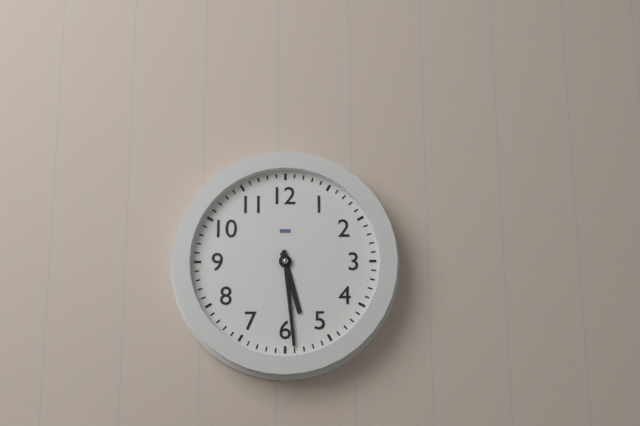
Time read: **5:29**
